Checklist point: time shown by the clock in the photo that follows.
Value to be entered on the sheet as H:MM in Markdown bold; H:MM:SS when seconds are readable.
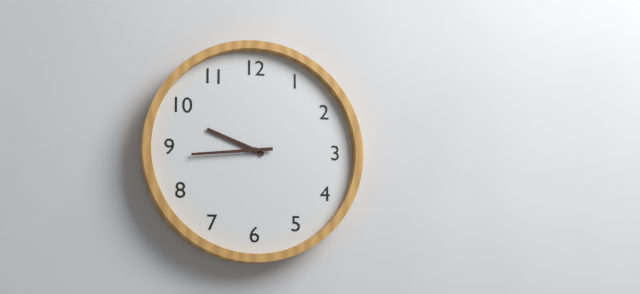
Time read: **9:44**
